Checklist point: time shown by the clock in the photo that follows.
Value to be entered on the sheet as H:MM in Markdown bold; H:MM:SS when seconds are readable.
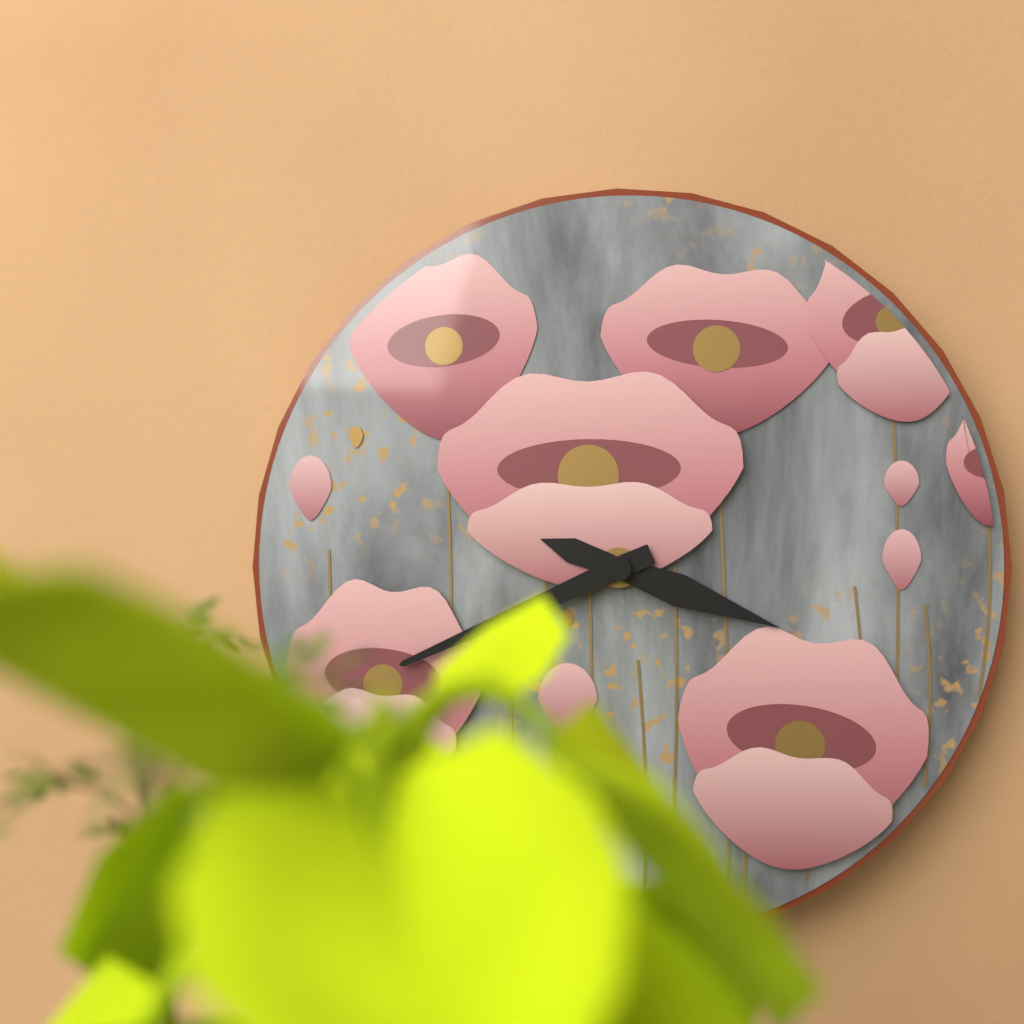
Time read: **3:41**
